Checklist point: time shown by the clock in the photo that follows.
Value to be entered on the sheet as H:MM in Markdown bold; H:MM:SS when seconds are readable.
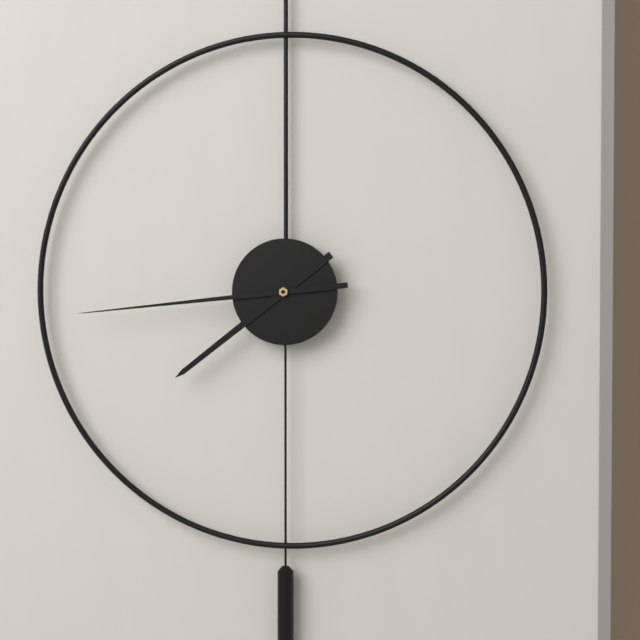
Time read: **7:44**
